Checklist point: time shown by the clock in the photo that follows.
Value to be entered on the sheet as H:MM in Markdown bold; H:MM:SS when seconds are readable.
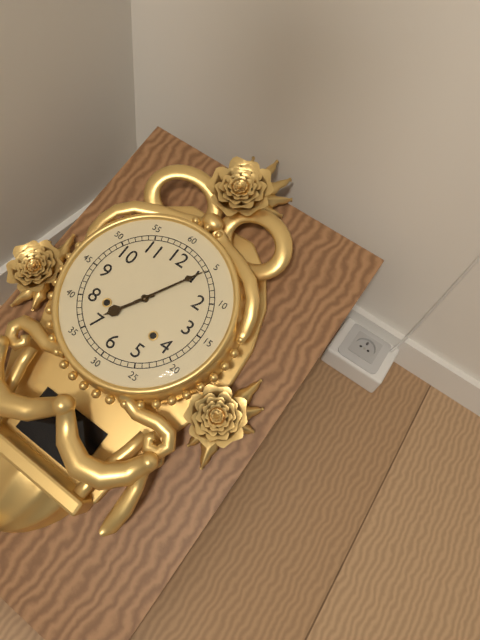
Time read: **7:05**
